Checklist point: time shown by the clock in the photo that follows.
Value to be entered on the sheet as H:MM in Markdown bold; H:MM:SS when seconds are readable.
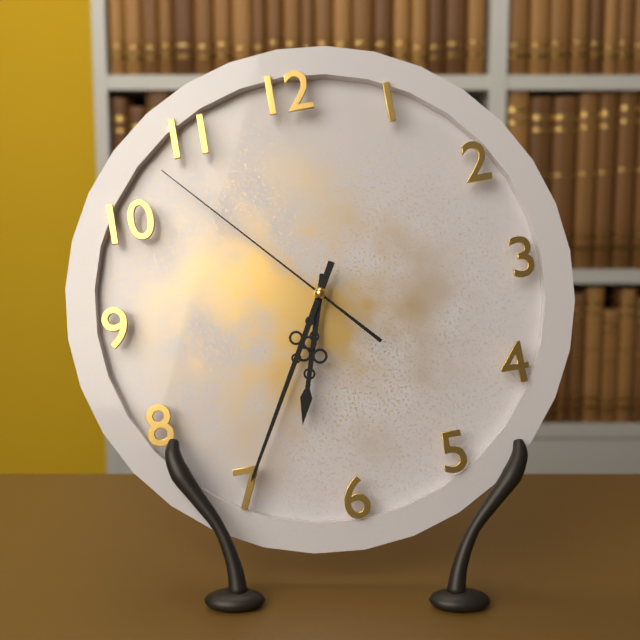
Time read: **6:35:53**
